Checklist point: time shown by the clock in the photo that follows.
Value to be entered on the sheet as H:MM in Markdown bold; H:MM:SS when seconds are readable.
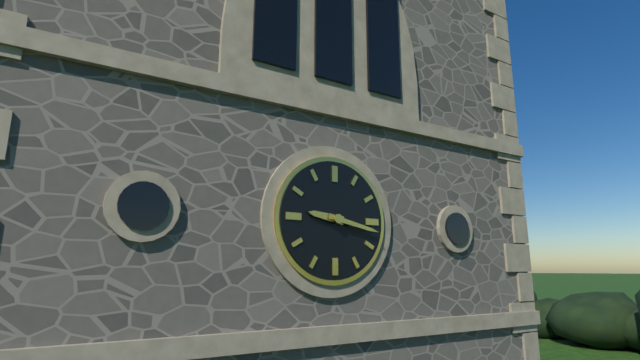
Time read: **9:17**
